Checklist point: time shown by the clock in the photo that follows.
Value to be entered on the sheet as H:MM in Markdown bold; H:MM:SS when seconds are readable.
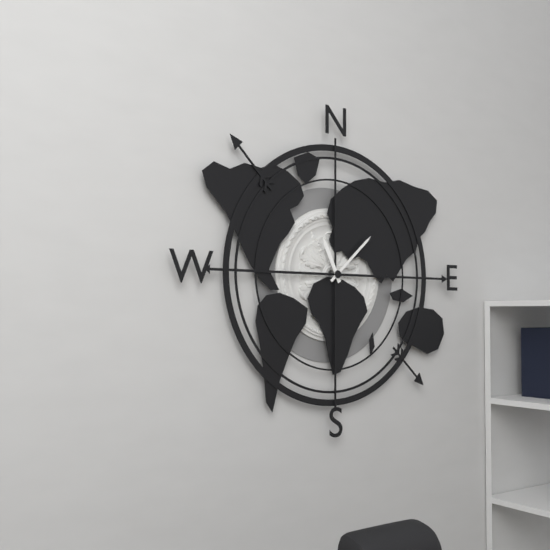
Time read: **11:08**
